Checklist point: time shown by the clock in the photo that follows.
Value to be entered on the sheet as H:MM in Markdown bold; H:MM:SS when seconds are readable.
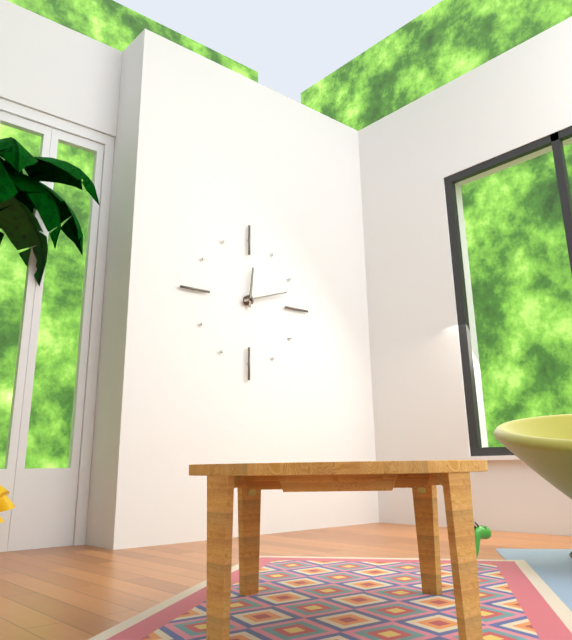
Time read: **12:12**
